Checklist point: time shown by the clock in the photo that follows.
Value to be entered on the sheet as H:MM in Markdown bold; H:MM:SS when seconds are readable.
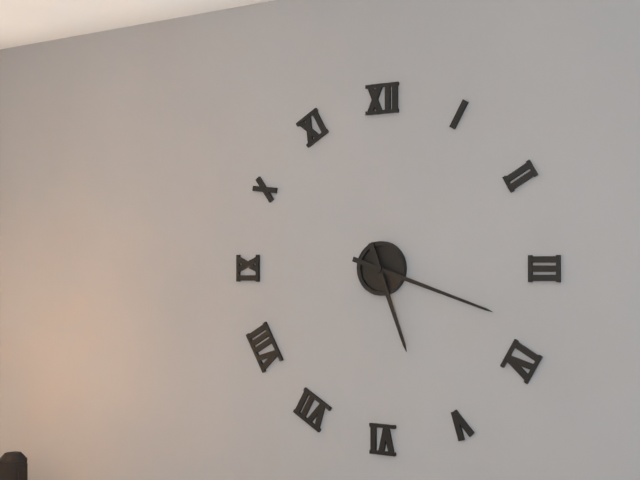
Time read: **5:18**
